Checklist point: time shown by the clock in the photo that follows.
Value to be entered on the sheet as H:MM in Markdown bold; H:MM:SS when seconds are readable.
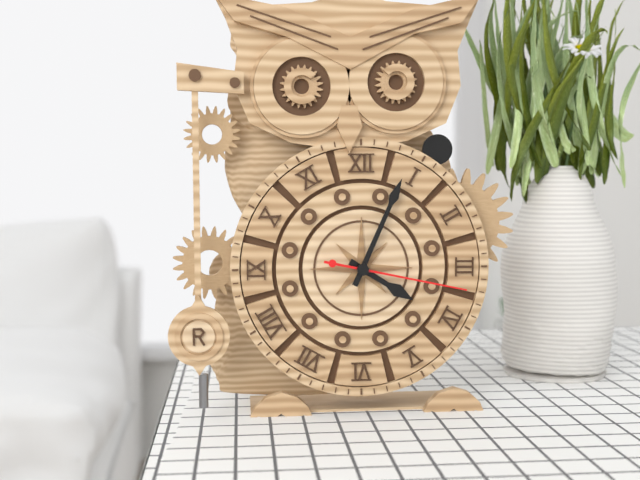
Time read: **4:04:17**
